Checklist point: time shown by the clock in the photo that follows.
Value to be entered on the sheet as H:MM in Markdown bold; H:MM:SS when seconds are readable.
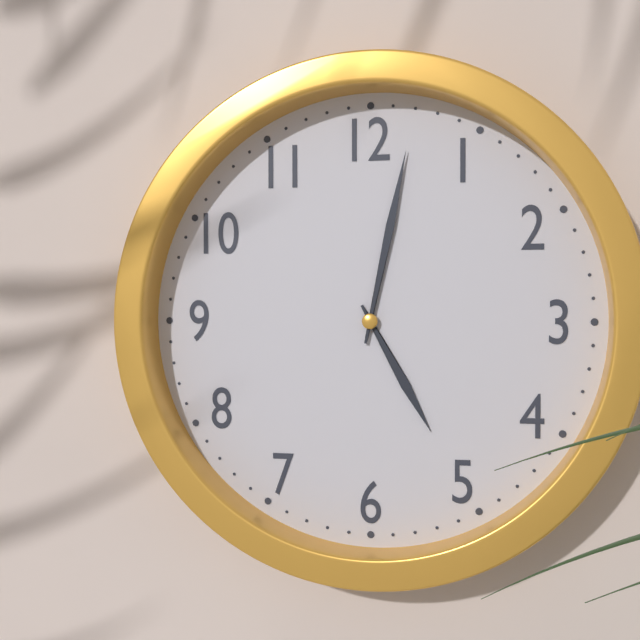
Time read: **5:02**
